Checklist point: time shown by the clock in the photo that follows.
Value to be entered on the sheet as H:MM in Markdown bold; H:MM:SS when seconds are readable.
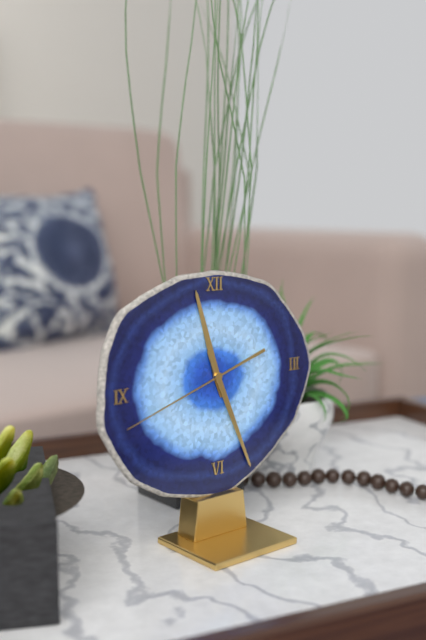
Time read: **11:26:42**
